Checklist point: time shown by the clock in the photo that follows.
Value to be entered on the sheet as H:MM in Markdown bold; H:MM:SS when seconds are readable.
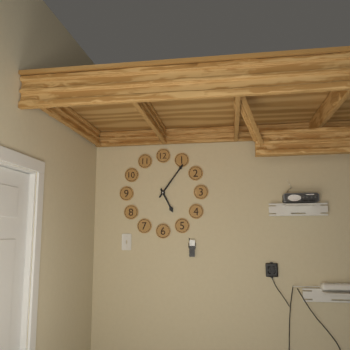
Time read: **5:06**
